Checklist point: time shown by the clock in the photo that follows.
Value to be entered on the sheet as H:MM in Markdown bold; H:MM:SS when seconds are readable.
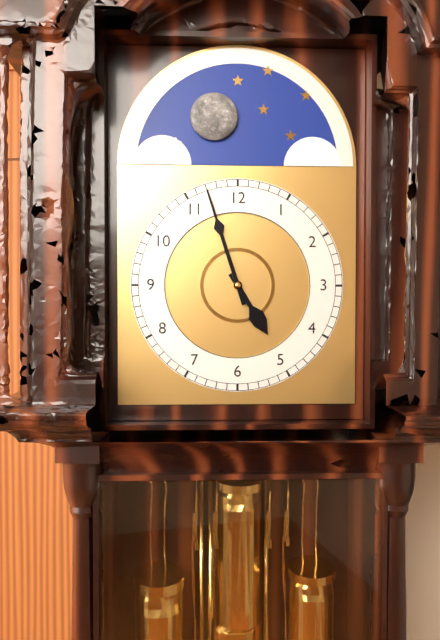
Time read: **4:57**
